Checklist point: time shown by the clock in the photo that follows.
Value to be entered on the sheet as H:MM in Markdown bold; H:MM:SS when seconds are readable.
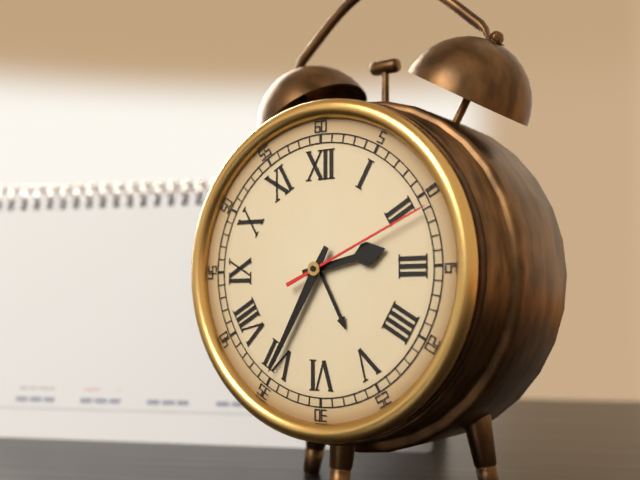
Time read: **2:35:11**
